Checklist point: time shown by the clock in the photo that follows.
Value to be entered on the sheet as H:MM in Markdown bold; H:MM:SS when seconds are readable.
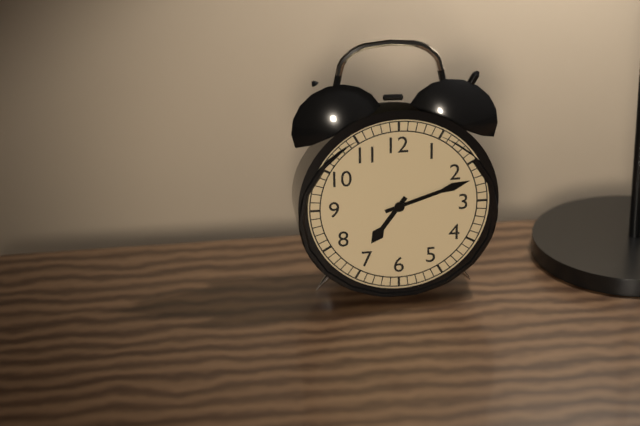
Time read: **7:12**
